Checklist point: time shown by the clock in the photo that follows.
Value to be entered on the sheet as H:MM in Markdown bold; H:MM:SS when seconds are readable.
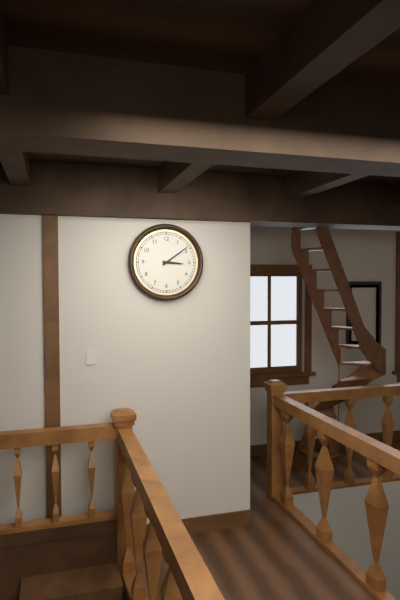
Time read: **3:09**
